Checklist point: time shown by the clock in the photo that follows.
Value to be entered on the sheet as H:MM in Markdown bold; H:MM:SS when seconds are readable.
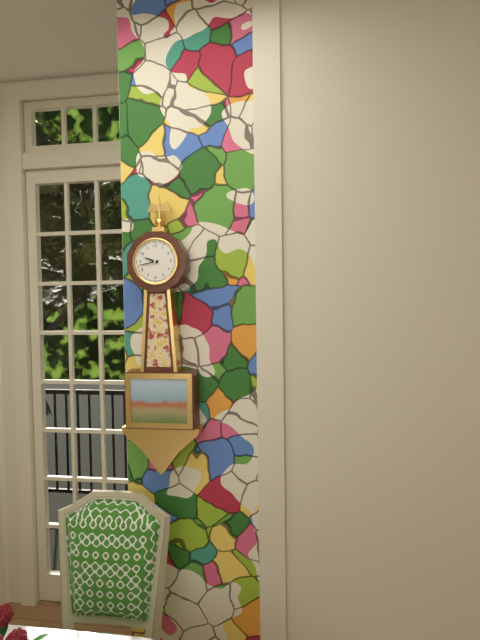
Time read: **9:43**
